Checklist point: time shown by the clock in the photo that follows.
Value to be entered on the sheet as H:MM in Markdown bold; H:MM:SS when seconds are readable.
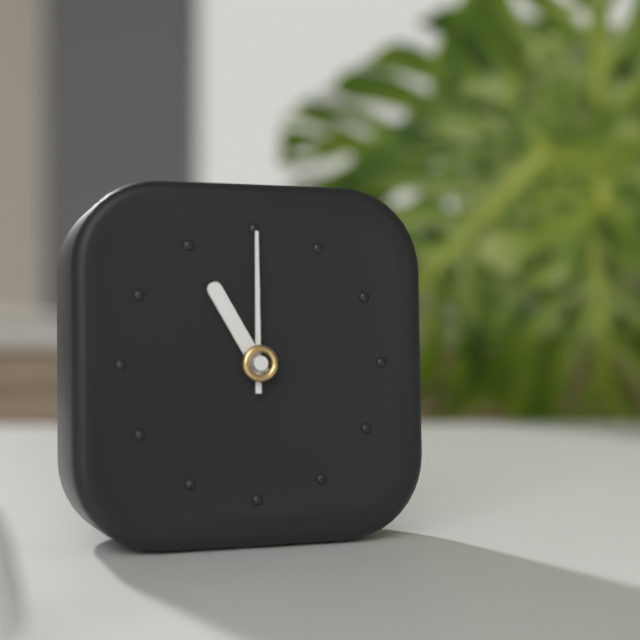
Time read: **11:00**
